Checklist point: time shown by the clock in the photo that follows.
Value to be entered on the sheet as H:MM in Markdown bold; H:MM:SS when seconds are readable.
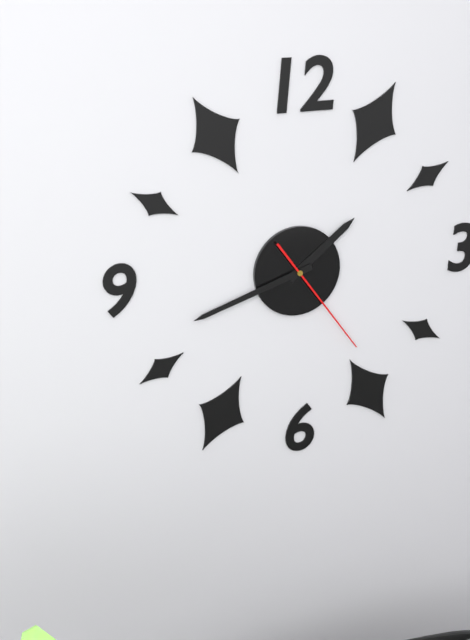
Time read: **1:42:24**
